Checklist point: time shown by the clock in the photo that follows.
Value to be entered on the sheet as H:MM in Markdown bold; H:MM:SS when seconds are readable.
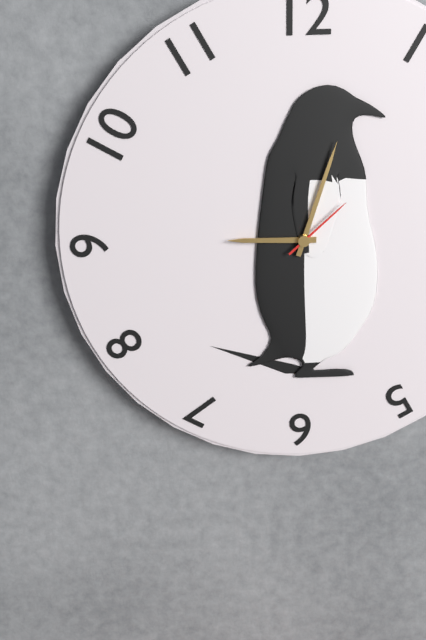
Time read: **9:03:08**
